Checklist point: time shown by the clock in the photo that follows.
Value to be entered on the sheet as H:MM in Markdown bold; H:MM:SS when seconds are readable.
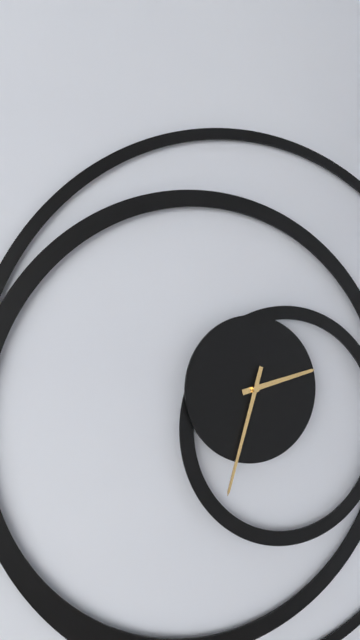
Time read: **2:33**
